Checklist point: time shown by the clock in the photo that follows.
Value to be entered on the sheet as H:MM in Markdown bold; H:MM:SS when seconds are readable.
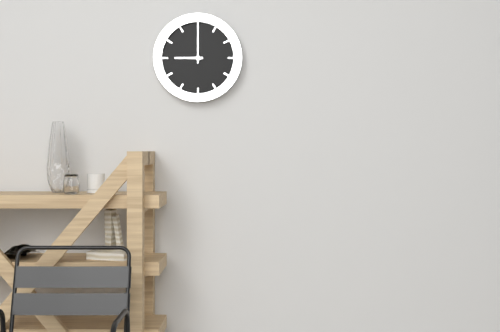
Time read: **9:00**
